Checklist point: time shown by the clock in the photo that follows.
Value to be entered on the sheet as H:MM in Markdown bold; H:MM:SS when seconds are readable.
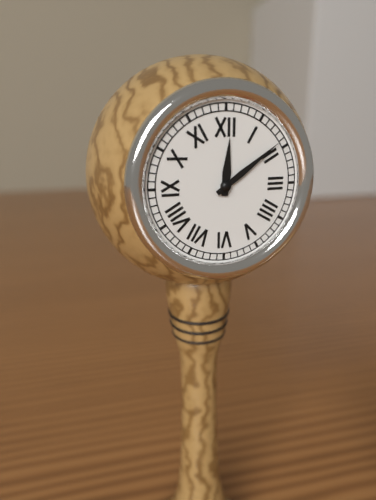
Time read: **12:09**
